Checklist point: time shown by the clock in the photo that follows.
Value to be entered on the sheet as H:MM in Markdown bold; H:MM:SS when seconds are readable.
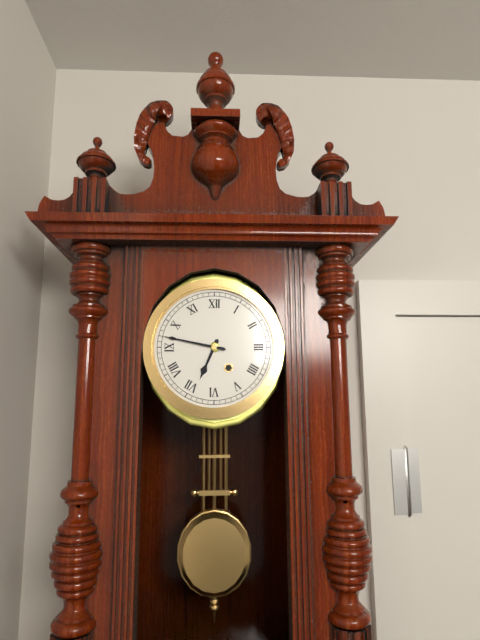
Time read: **6:47**
